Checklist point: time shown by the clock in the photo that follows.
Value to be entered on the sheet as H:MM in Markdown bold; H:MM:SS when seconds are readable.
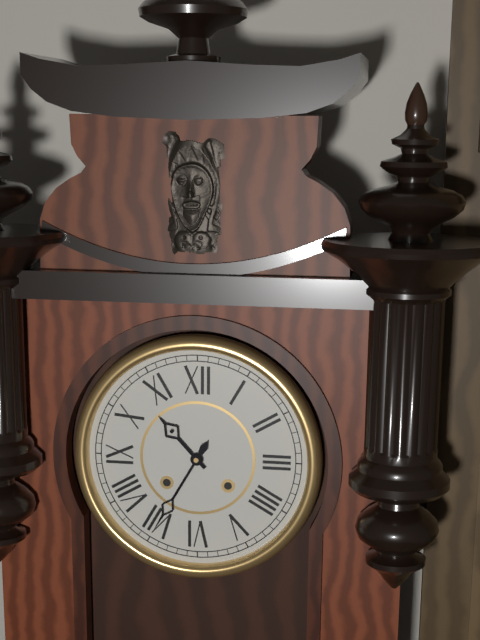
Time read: **10:35**
